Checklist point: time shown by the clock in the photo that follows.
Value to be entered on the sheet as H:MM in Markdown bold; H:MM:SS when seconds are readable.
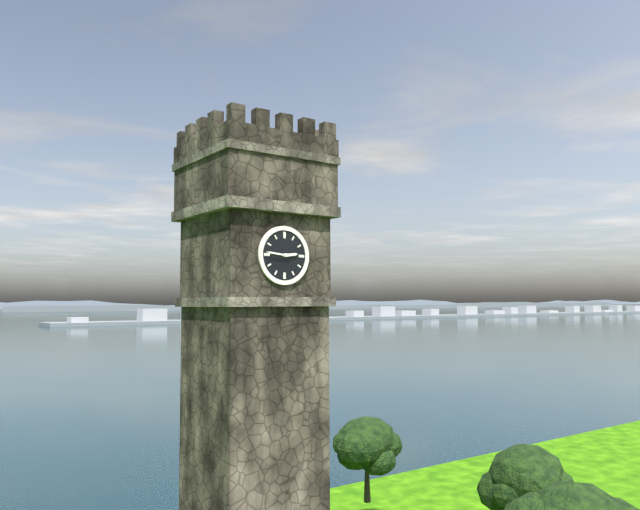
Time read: **2:46**
